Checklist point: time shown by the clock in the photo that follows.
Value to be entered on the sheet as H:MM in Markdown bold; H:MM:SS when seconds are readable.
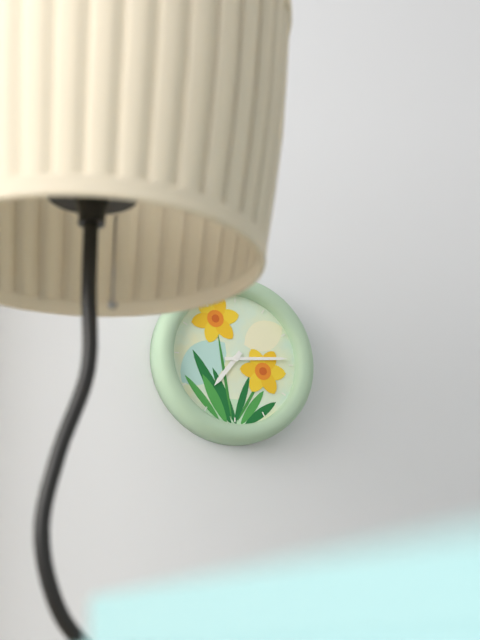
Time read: **7:14**
